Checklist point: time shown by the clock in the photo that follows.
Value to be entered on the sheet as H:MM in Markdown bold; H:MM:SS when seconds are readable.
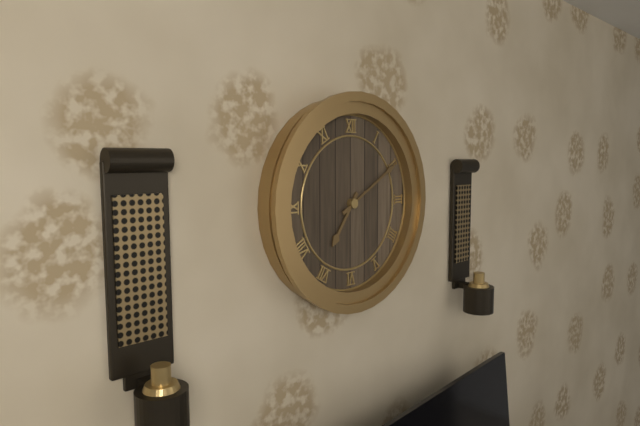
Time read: **7:10**
